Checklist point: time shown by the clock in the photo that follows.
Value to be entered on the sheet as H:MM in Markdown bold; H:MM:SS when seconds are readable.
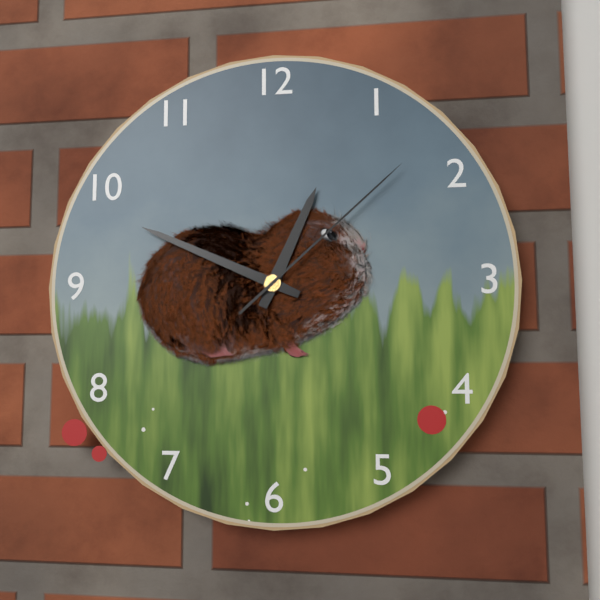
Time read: **12:49:08**
